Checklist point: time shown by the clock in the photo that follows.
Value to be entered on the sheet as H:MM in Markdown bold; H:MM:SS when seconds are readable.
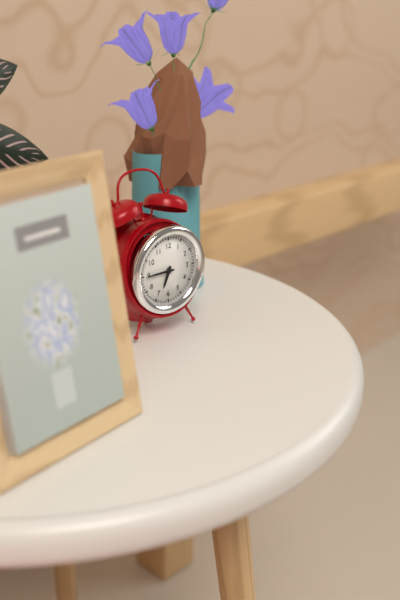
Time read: **6:45**
